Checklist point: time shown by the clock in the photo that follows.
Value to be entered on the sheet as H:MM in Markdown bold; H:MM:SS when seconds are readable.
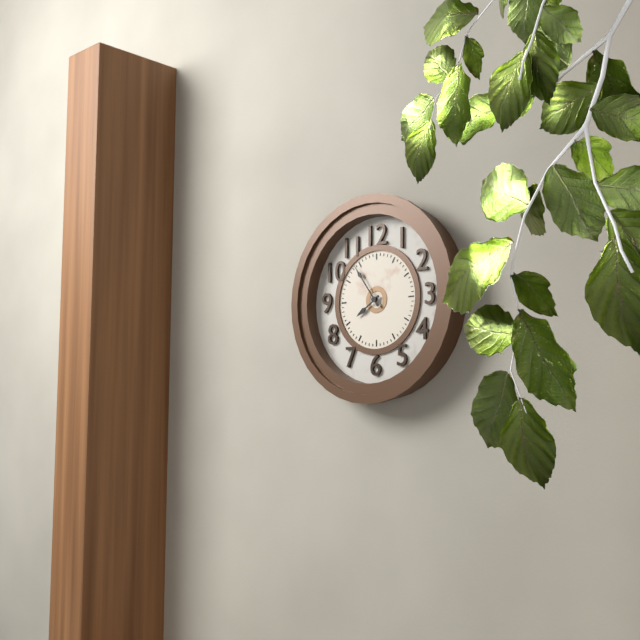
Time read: **7:54**
